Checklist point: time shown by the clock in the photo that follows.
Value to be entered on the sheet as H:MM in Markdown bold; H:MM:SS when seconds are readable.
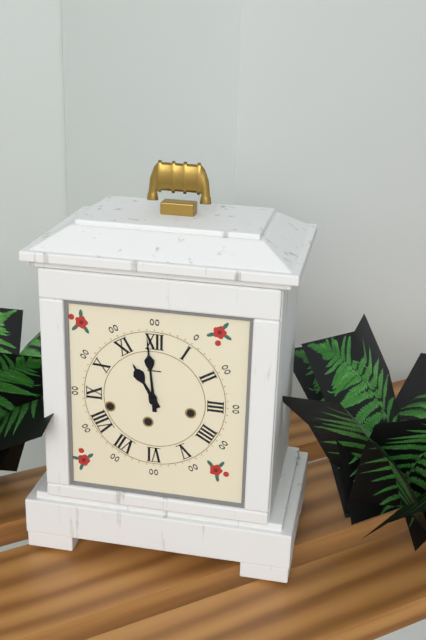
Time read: **10:59**
